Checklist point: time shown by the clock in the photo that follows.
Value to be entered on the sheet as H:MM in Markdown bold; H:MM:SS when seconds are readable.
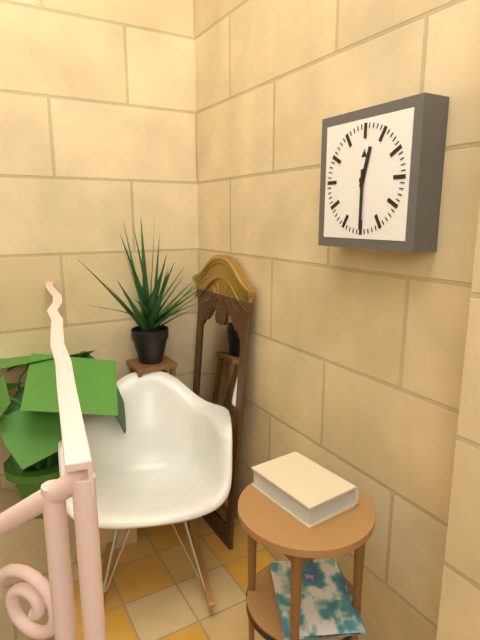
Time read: **12:30**
